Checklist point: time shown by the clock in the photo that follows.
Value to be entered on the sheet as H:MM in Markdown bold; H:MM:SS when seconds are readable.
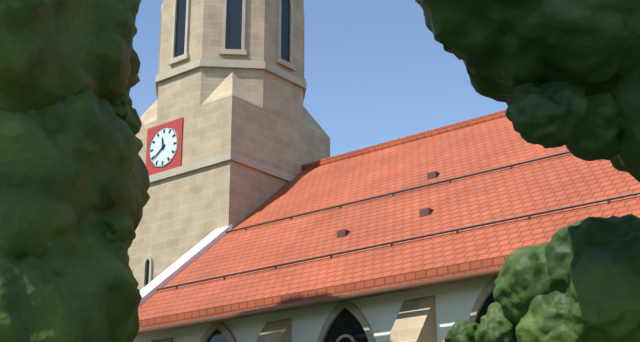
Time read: **11:39**
